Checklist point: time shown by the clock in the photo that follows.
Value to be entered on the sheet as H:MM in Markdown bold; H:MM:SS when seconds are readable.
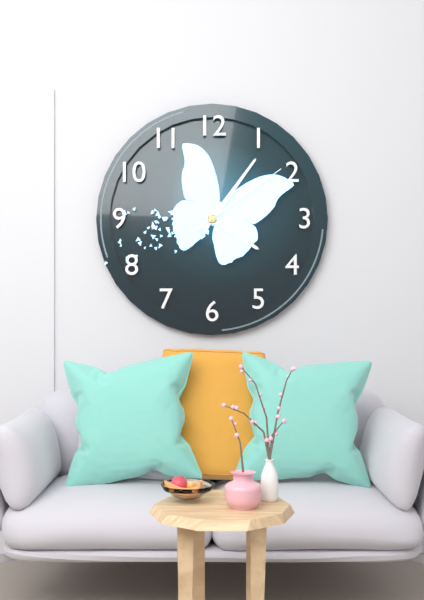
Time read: **4:06:09**
